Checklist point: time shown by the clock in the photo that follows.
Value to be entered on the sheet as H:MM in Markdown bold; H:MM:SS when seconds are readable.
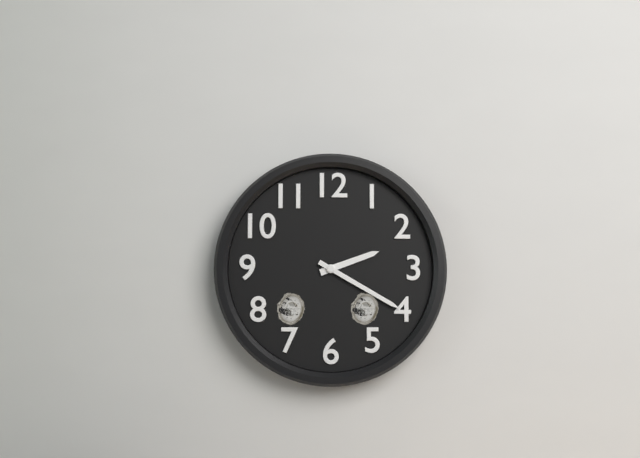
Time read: **2:20**
